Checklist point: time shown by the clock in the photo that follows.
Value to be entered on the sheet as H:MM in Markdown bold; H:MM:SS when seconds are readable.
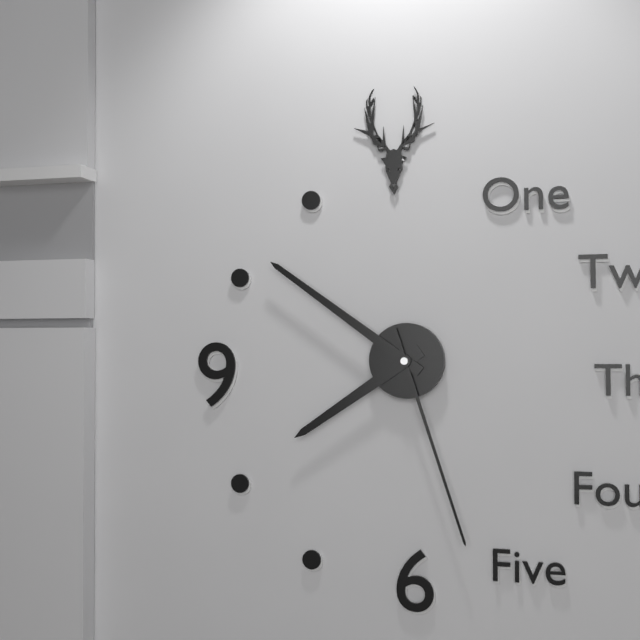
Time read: **7:51:27**
